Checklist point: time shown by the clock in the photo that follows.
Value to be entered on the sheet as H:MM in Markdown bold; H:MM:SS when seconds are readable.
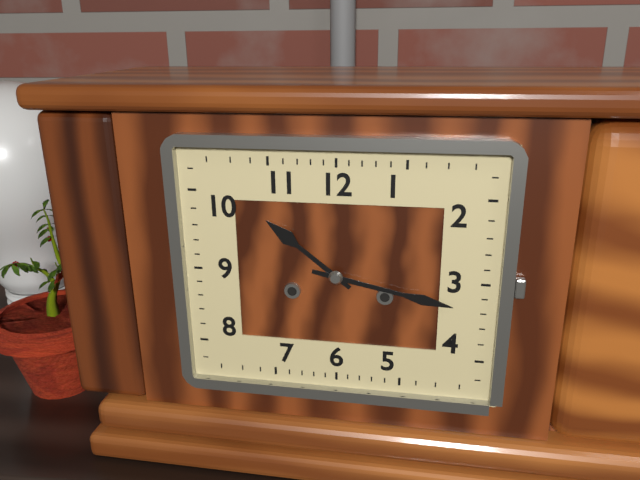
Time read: **10:17**
